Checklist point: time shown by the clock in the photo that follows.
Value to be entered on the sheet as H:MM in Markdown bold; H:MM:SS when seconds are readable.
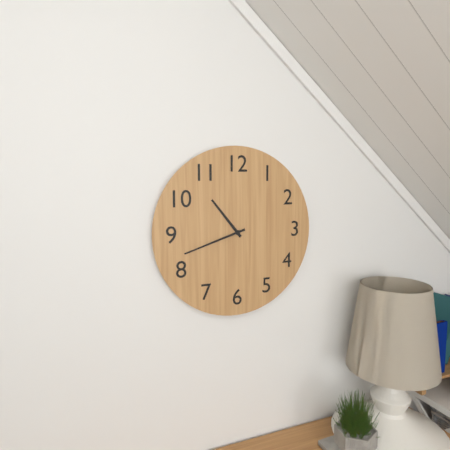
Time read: **10:42**
